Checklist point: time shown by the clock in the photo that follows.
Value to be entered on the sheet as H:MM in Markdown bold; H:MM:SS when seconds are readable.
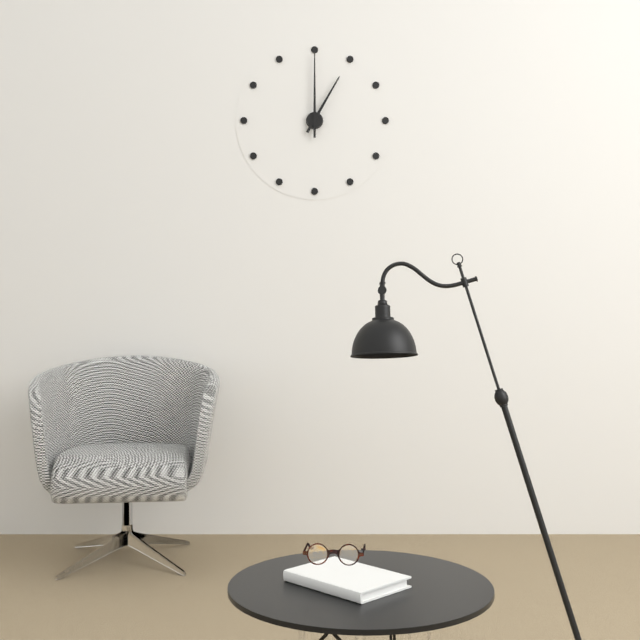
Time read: **1:00**
